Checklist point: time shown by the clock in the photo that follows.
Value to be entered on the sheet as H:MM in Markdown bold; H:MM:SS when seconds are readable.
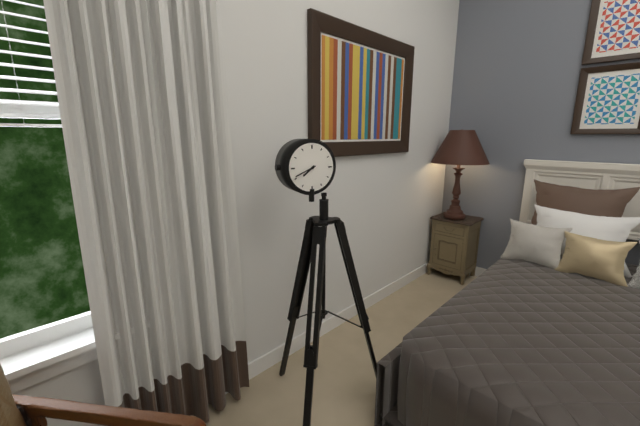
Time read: **7:41**
